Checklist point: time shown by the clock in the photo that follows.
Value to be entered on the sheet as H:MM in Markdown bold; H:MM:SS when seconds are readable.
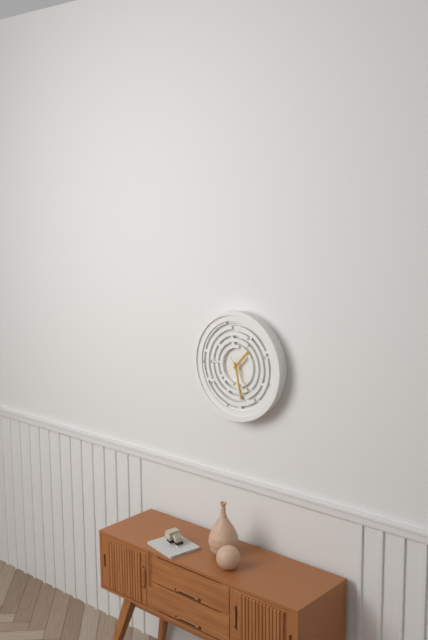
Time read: **1:28**
